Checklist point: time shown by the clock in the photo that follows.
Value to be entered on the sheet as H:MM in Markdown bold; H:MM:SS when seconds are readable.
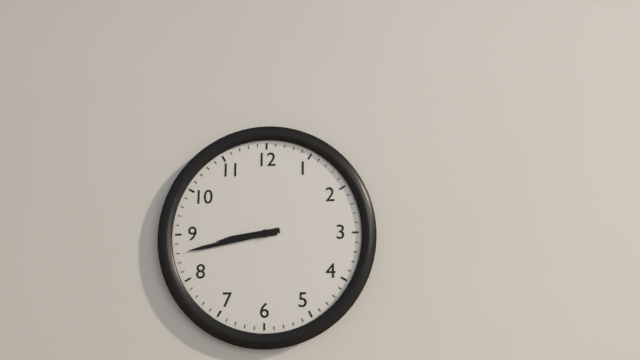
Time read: **8:43**
